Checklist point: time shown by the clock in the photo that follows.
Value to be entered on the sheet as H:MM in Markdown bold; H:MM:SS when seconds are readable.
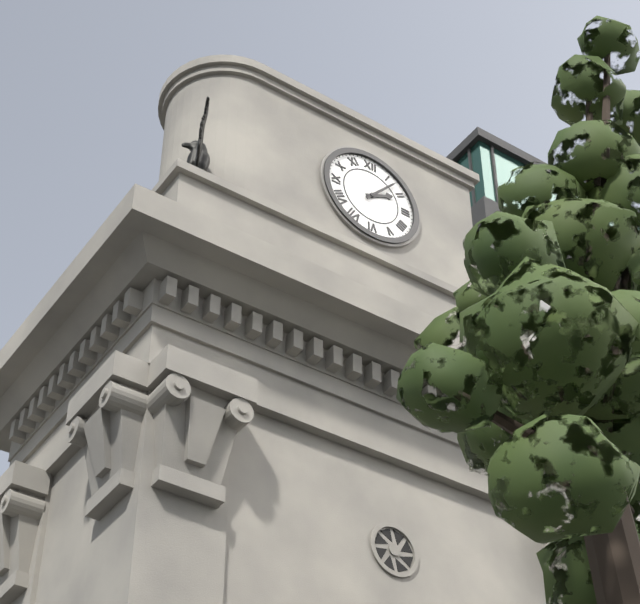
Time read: **2:07**
